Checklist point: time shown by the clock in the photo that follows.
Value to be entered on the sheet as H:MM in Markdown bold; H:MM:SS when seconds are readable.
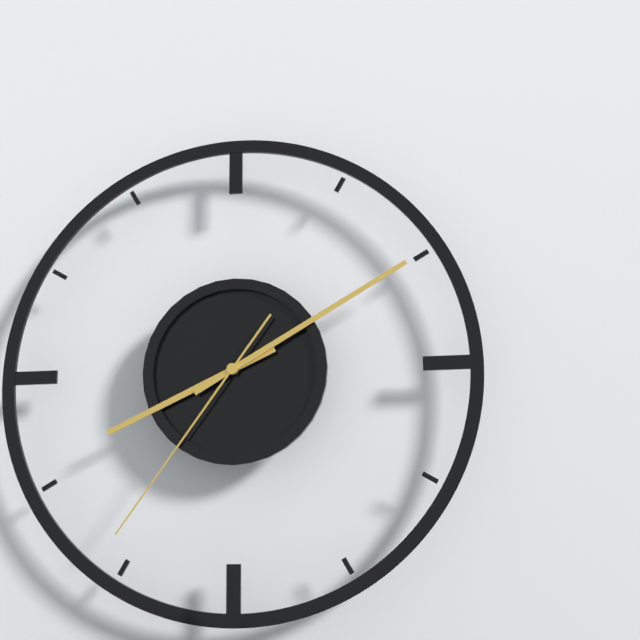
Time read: **8:10:36**
